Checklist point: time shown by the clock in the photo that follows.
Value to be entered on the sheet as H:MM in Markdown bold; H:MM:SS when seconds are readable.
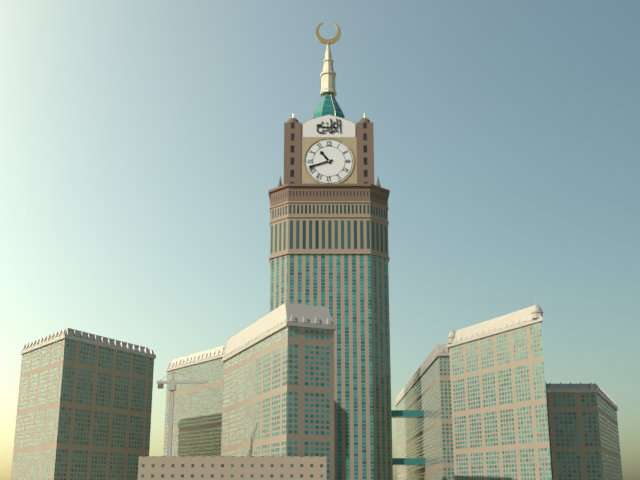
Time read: **10:42**
